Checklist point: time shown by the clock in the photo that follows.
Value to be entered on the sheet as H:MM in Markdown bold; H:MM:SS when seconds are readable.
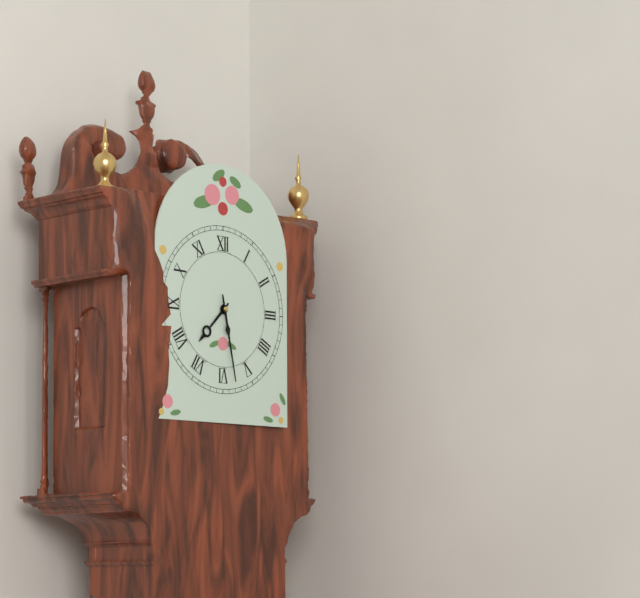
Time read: **7:28**
